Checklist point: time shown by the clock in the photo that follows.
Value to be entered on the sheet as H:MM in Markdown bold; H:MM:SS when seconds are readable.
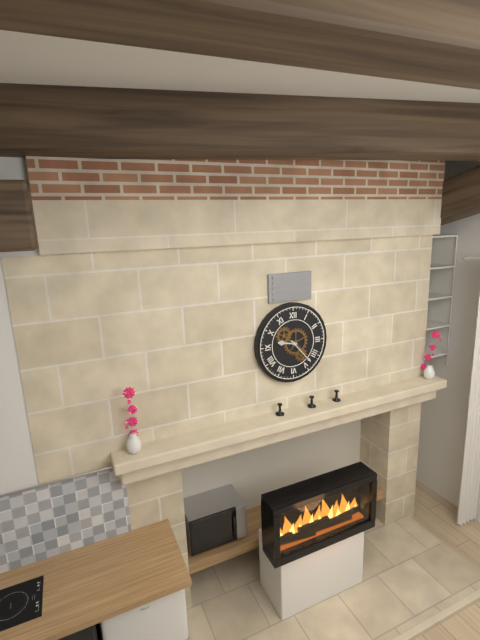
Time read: **9:23**
